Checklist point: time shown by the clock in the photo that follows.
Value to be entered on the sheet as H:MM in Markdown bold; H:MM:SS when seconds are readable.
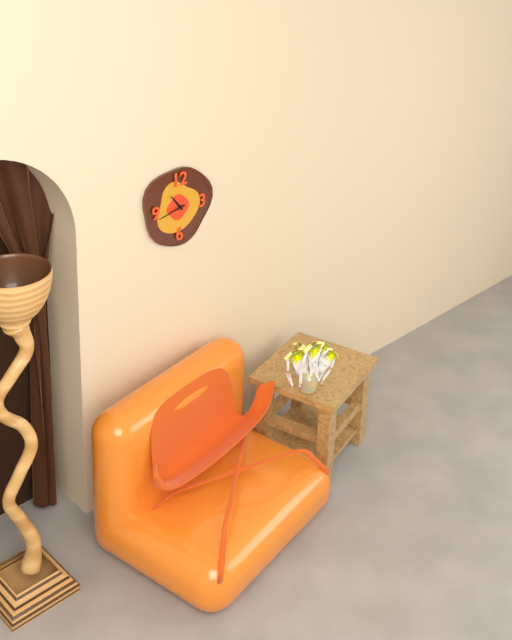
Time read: **10:43**
